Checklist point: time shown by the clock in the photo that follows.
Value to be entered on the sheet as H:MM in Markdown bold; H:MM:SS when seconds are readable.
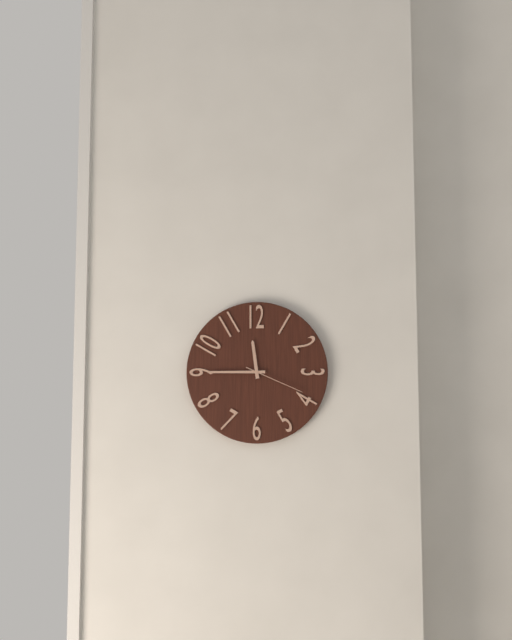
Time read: **11:45:19**
